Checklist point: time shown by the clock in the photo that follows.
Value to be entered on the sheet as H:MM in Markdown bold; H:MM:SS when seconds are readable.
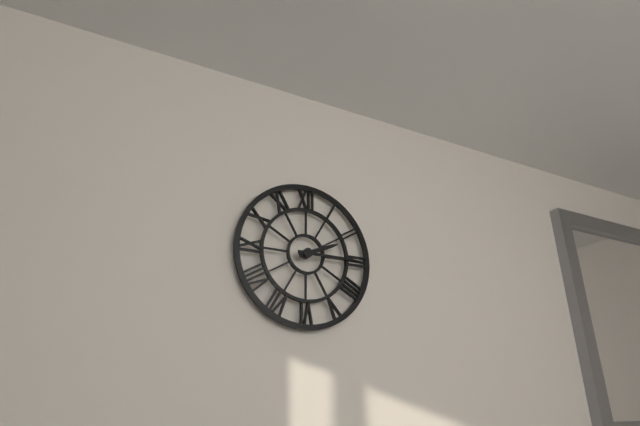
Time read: **2:15**
